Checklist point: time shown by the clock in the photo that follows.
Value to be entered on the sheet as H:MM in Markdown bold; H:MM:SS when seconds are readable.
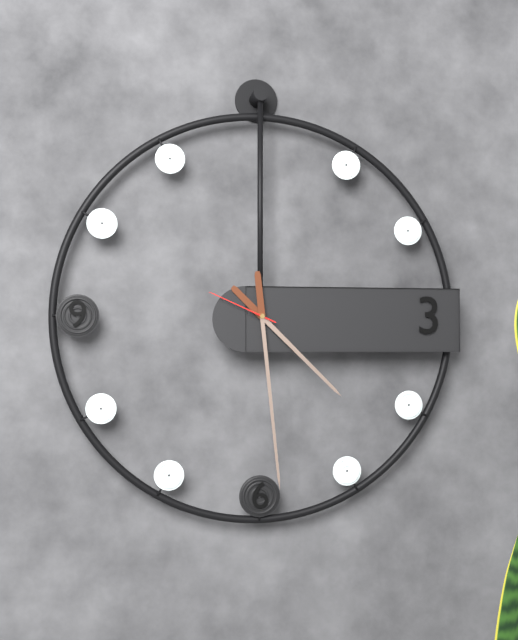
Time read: **4:29:49**
